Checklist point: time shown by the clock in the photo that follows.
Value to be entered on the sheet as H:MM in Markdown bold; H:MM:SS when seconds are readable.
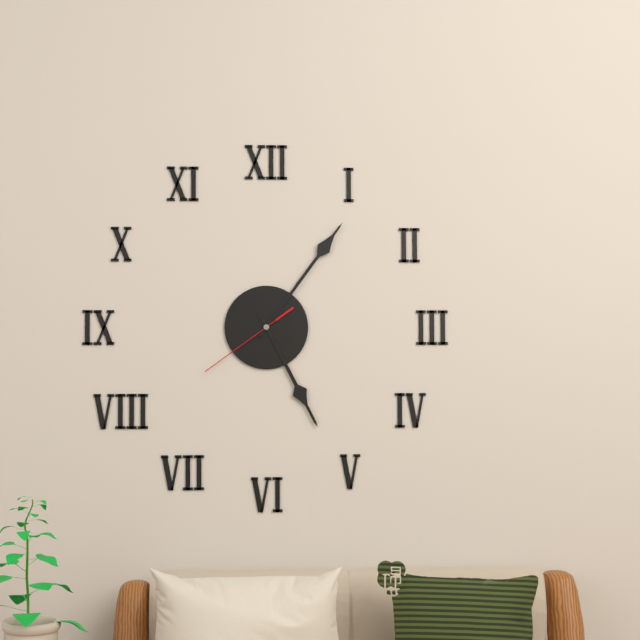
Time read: **5:06:39**
